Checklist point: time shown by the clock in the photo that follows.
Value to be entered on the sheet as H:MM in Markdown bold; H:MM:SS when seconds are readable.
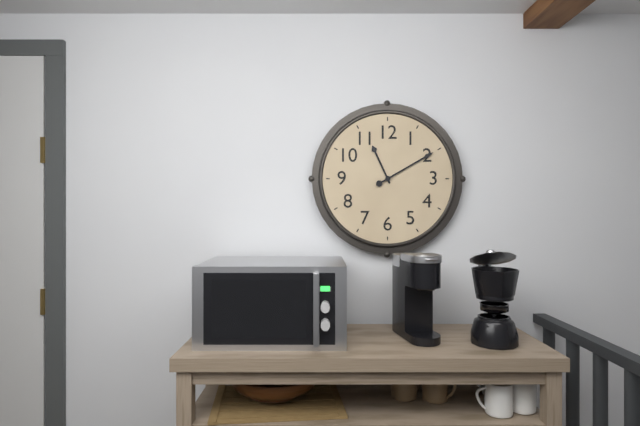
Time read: **11:10**
